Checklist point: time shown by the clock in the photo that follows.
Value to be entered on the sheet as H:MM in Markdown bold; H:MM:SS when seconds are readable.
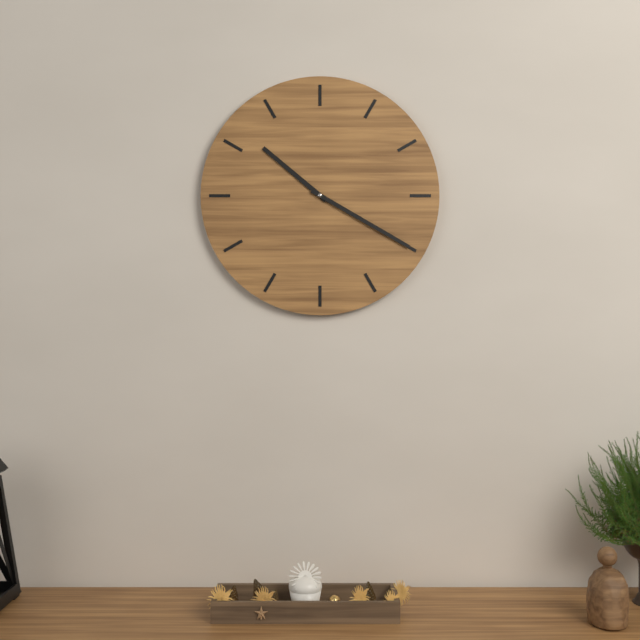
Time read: **10:20**
